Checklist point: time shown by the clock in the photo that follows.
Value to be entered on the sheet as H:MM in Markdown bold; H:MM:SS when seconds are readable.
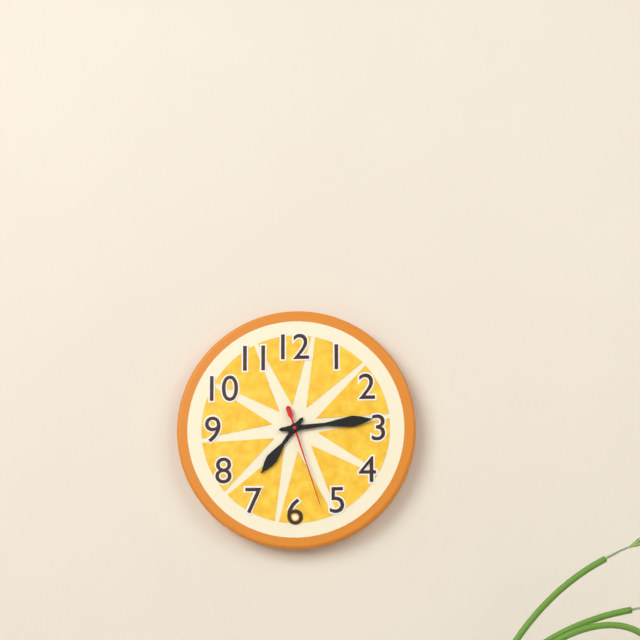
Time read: **7:14:27**
